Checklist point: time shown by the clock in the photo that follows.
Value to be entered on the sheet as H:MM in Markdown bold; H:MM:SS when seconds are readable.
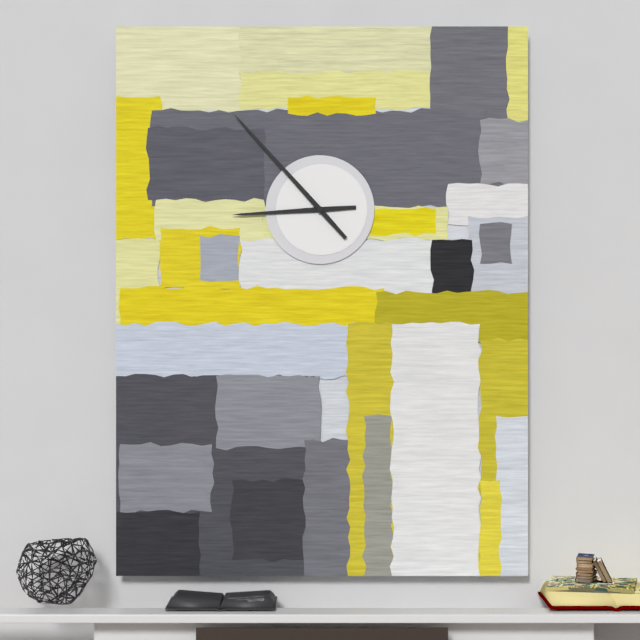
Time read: **8:53**
